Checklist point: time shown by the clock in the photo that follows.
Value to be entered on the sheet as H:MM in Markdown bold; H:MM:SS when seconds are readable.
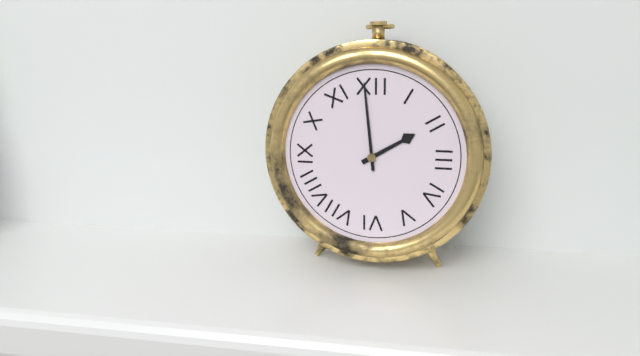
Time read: **1:59**
